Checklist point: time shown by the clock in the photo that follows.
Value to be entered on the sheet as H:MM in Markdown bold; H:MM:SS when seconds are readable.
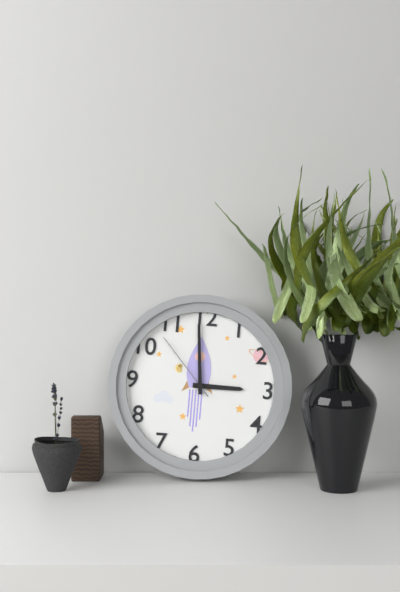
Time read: **2:59:53**
